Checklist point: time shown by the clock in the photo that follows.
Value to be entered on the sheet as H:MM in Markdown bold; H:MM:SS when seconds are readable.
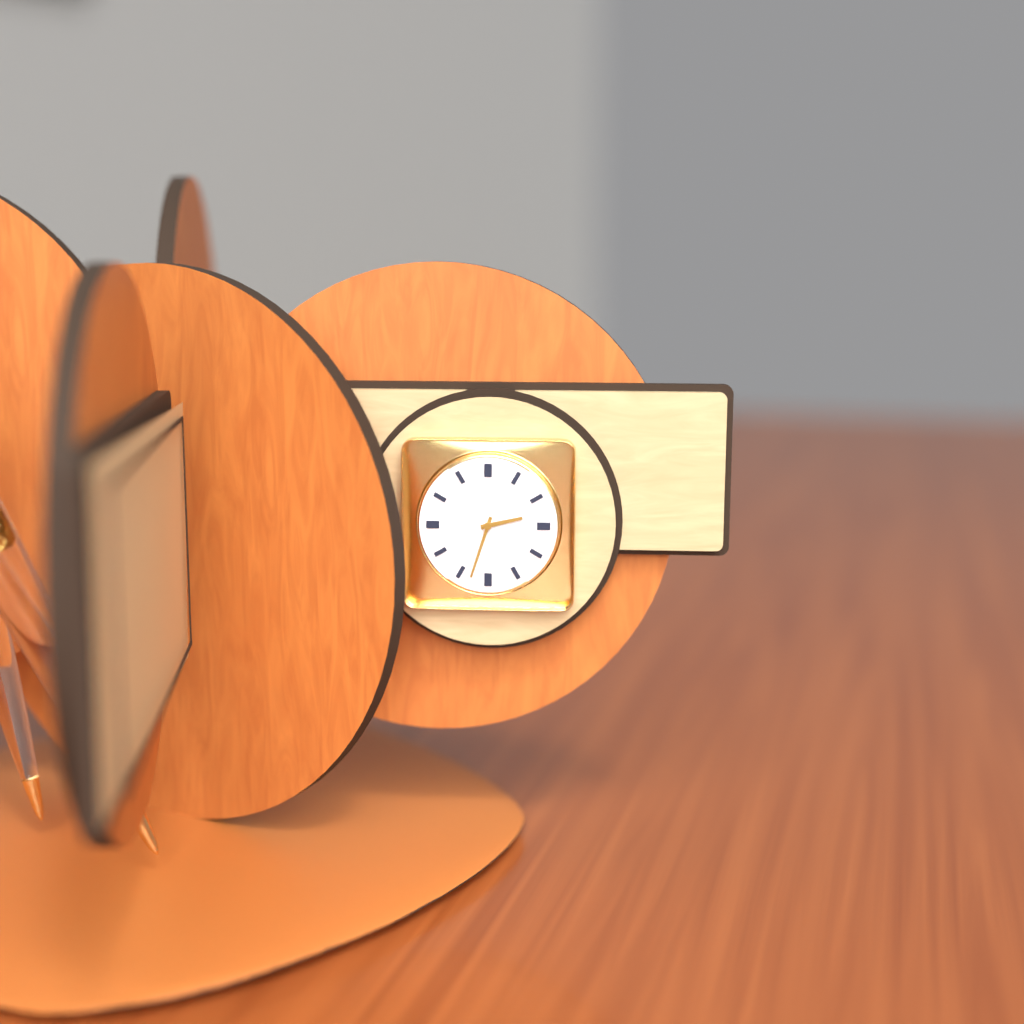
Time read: **2:33**
